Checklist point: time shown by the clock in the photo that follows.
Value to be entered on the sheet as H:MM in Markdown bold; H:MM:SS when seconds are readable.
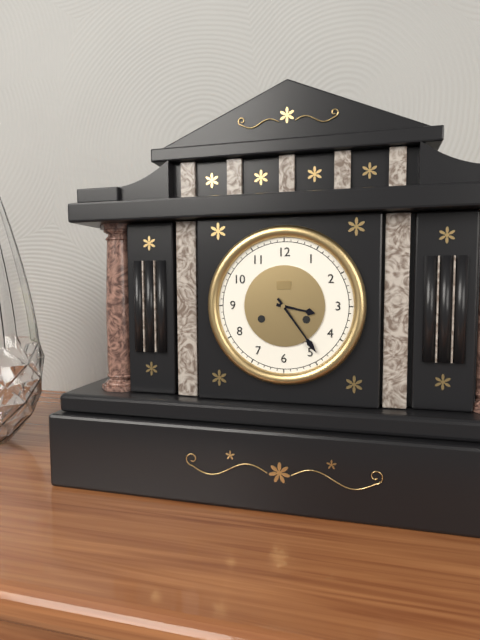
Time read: **3:24**
